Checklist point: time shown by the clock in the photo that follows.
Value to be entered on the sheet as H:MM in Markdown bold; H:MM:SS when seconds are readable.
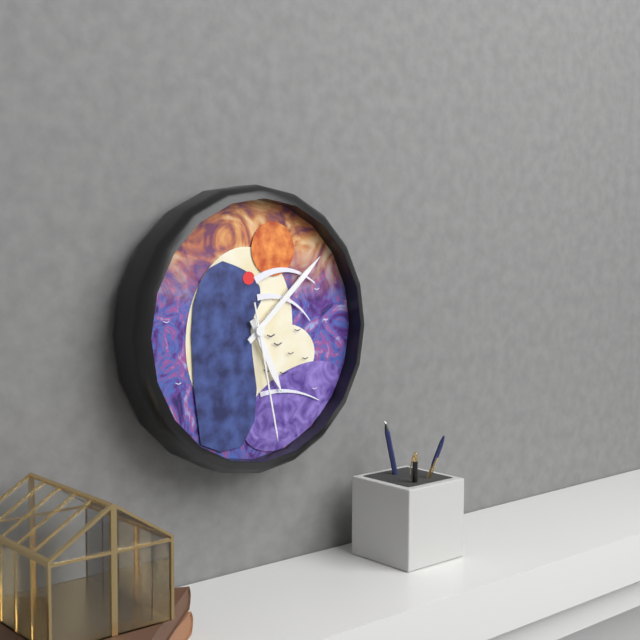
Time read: **5:08:28**
